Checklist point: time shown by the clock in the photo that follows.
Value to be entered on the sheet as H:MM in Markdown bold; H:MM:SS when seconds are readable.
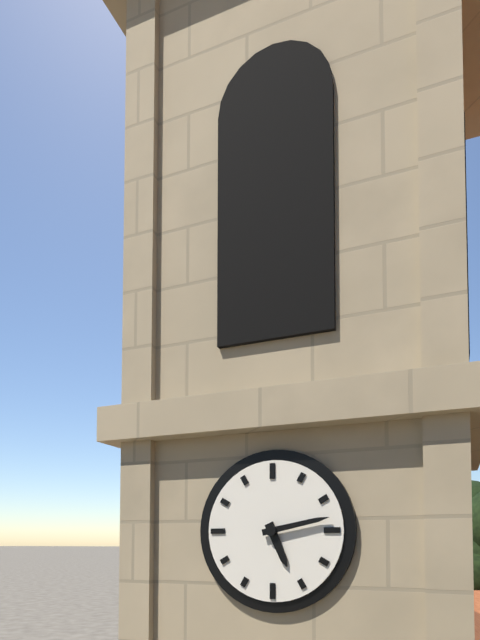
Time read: **5:13**
